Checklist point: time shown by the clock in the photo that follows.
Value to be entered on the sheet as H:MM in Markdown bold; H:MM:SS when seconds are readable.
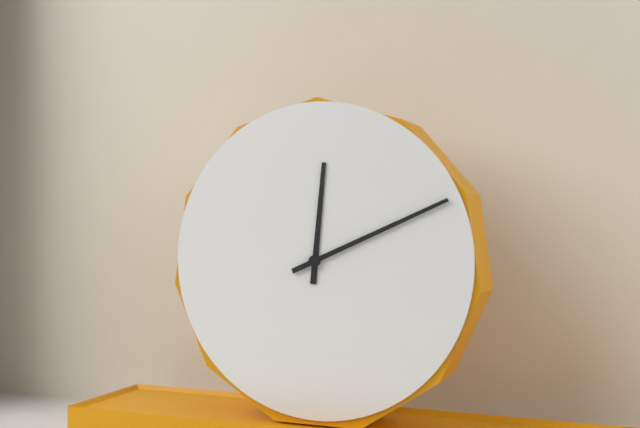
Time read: **12:11**
